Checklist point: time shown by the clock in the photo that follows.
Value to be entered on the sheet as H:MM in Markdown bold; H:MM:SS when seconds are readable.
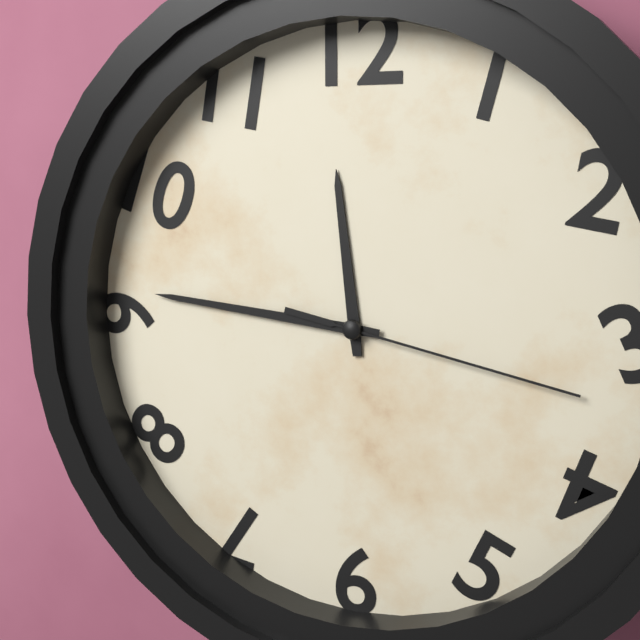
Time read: **11:46:17**
